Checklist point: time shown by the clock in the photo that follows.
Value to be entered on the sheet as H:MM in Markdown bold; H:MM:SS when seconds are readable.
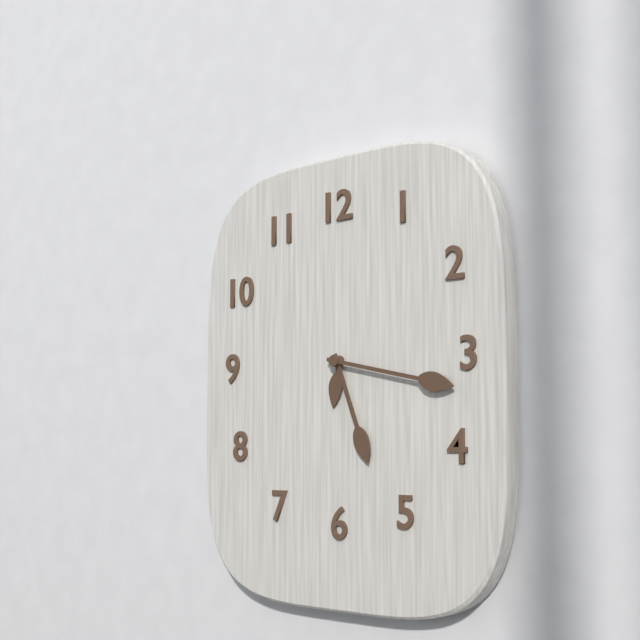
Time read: **5:17**
